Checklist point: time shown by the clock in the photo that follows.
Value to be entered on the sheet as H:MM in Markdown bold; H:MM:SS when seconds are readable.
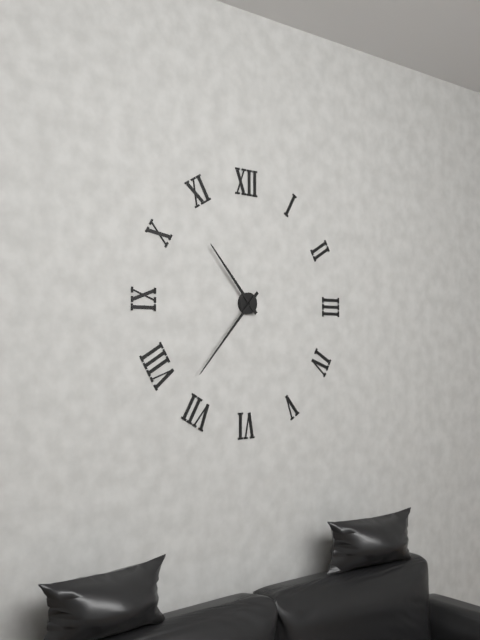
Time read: **10:37**
